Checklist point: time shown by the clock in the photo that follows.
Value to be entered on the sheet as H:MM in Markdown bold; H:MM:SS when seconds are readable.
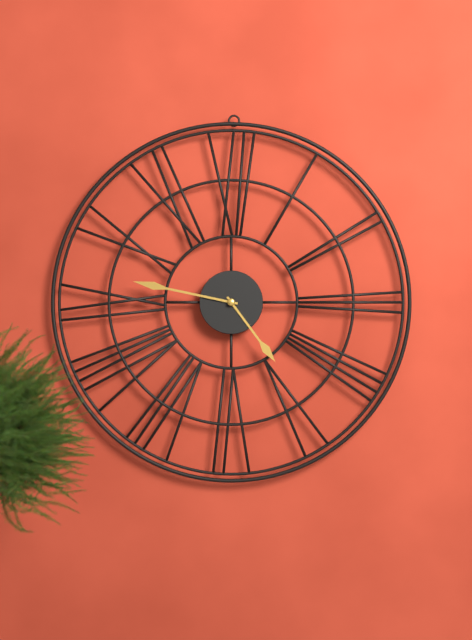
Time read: **4:47**
